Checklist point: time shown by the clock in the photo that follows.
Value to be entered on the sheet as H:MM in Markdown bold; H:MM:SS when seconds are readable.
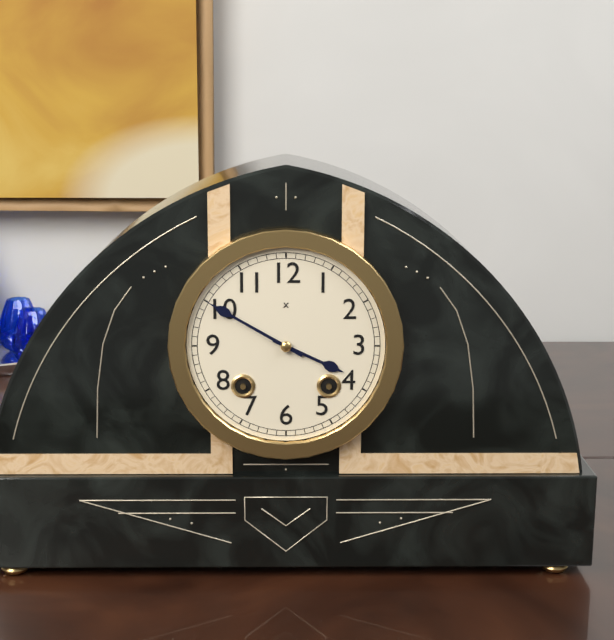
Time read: **3:50**
